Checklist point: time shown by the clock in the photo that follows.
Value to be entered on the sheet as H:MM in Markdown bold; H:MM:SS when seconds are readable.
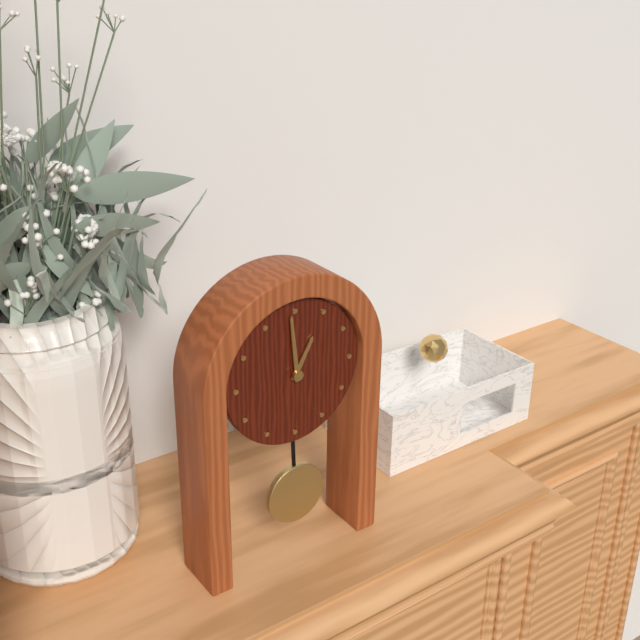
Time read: **12:59**
